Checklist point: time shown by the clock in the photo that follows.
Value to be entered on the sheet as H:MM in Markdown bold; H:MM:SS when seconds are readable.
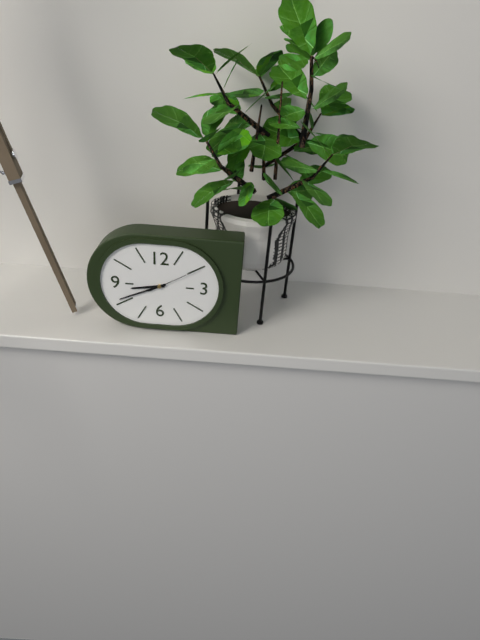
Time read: **8:41:10**
